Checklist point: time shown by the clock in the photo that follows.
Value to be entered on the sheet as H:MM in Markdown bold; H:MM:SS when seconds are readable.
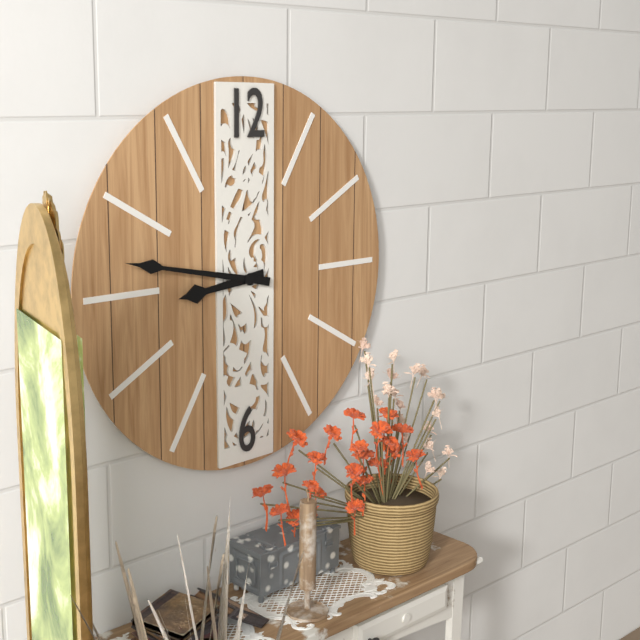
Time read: **8:47**
